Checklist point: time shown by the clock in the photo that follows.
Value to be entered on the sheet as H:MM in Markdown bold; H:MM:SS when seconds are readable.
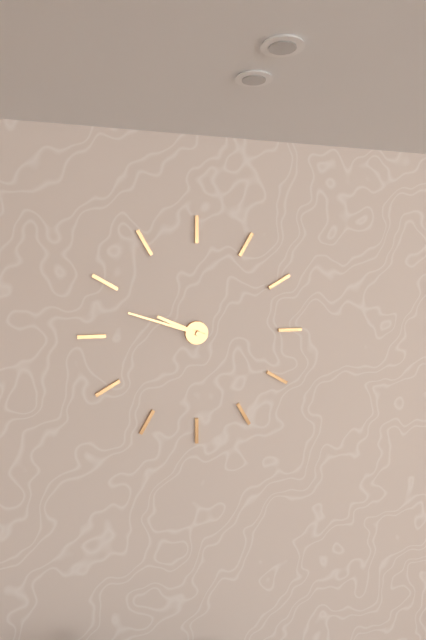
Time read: **9:48**
